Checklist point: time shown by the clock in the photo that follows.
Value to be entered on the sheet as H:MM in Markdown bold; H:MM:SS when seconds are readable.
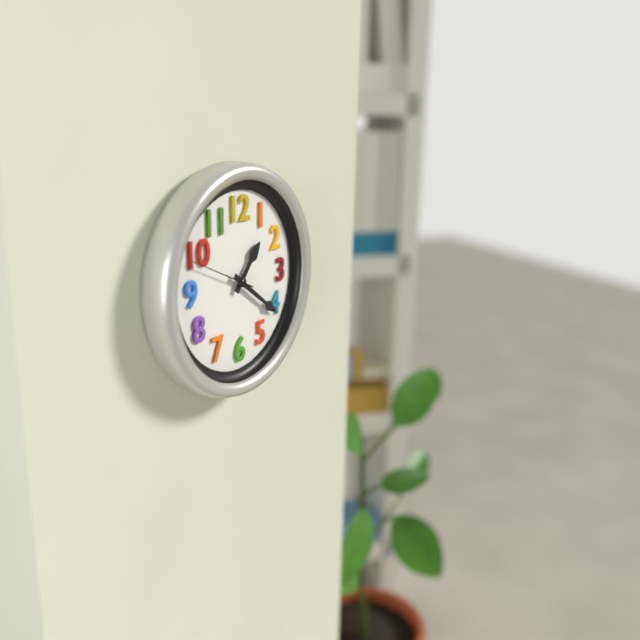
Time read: **1:21:49**
